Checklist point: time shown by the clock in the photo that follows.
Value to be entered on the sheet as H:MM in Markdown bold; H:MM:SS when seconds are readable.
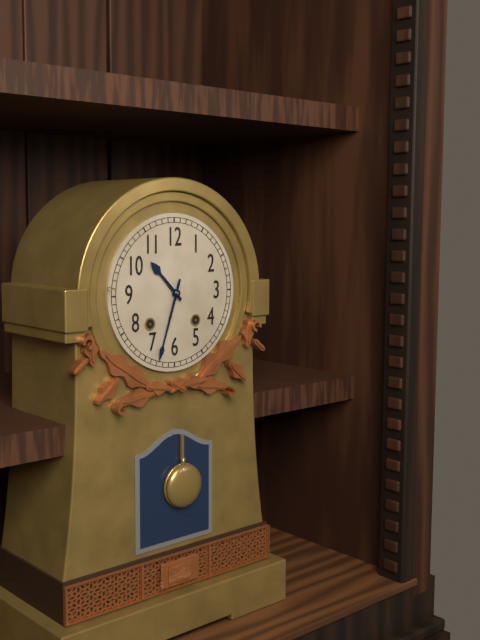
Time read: **10:33**
